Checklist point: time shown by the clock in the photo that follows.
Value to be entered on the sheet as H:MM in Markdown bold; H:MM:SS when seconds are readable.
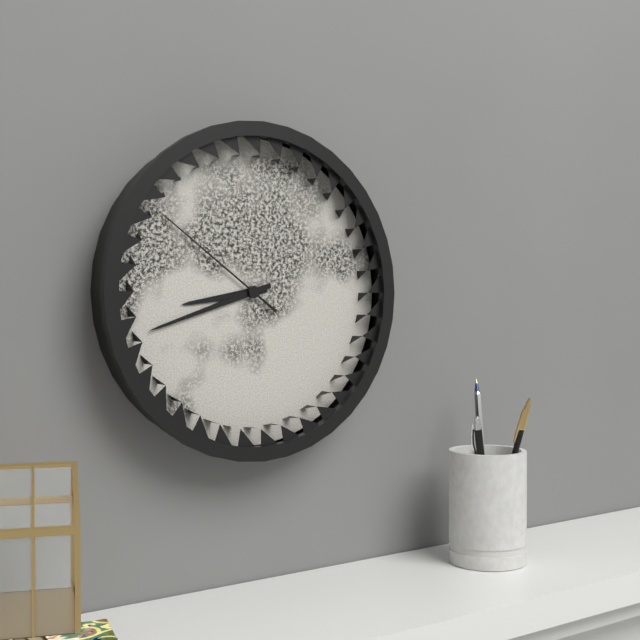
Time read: **8:42:51**
